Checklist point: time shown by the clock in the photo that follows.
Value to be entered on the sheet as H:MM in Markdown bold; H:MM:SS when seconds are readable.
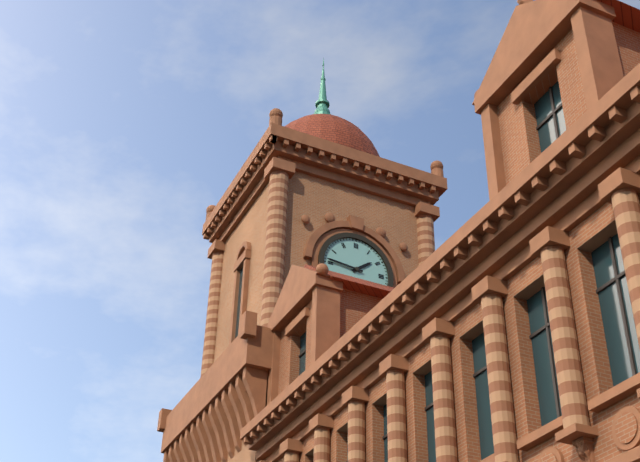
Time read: **1:46**
